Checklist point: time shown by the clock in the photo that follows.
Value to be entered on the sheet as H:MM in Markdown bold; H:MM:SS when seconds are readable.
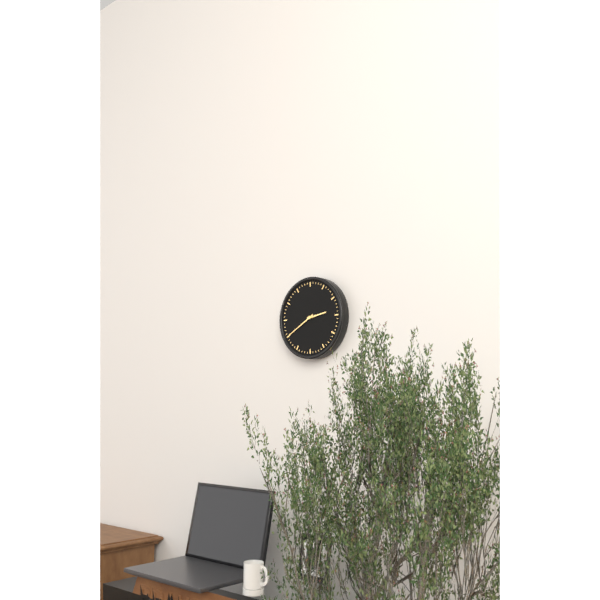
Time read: **2:40**
